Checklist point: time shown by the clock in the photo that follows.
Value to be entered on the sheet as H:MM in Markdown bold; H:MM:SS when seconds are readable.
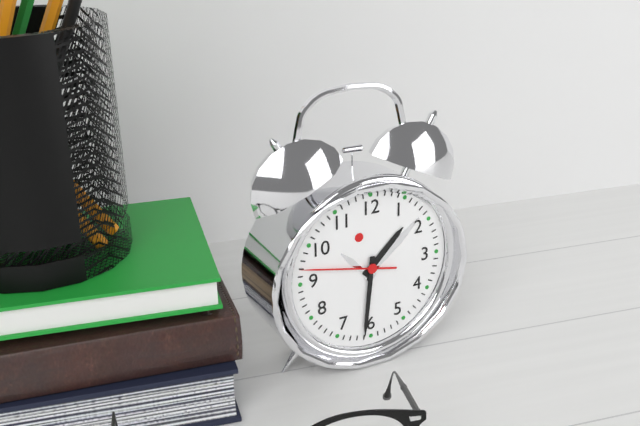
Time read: **1:31:47**
